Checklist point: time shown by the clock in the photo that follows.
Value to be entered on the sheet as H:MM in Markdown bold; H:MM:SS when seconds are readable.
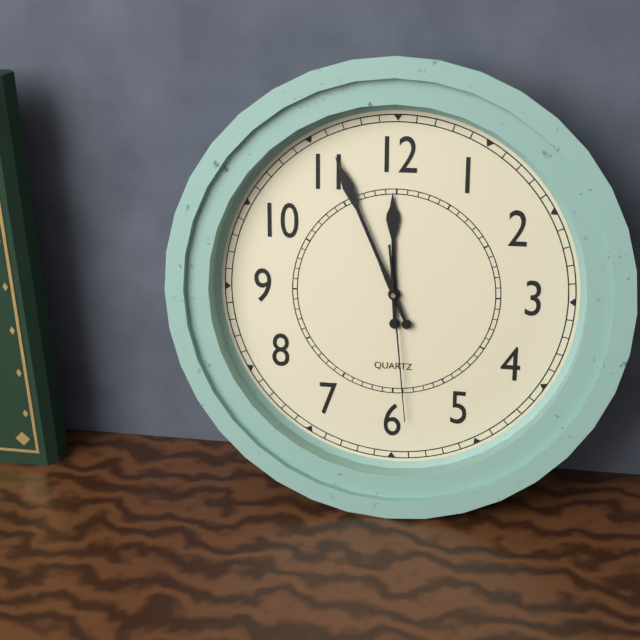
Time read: **11:56:29**
